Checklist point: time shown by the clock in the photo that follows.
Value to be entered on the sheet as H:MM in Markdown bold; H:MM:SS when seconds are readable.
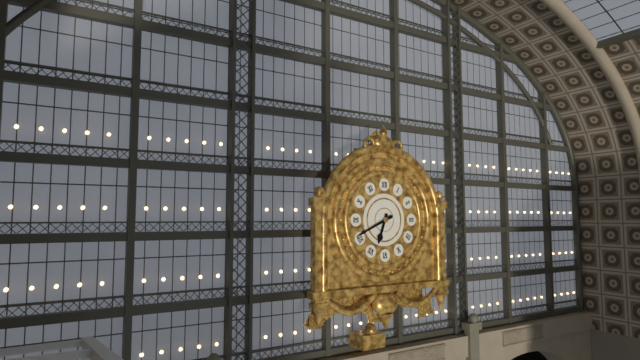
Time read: **6:41**
